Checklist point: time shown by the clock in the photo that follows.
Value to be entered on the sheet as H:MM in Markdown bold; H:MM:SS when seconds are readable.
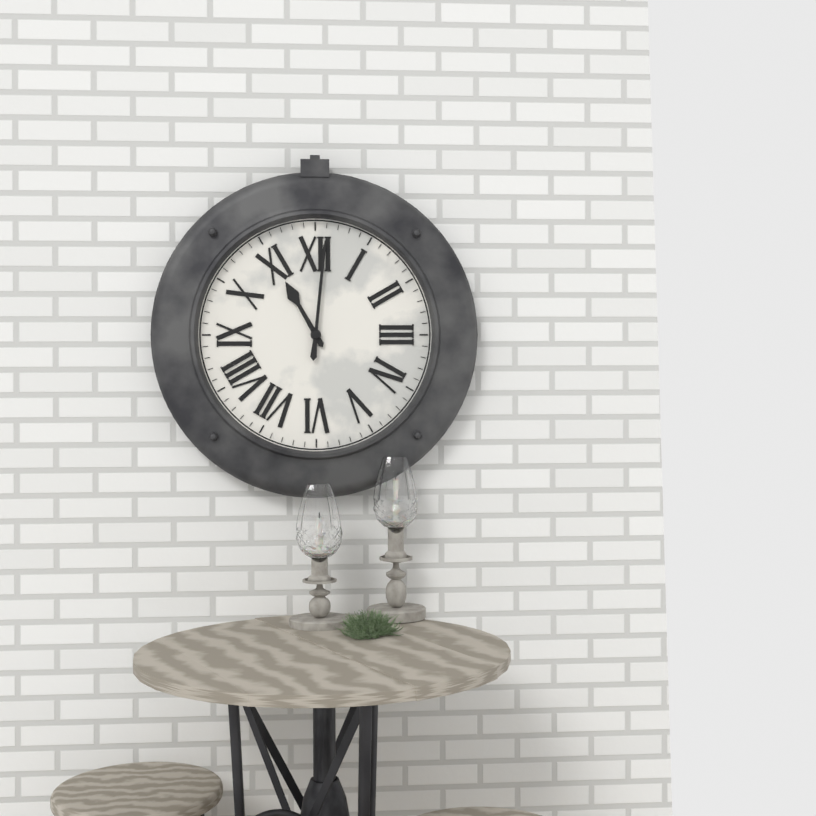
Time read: **11:01**
